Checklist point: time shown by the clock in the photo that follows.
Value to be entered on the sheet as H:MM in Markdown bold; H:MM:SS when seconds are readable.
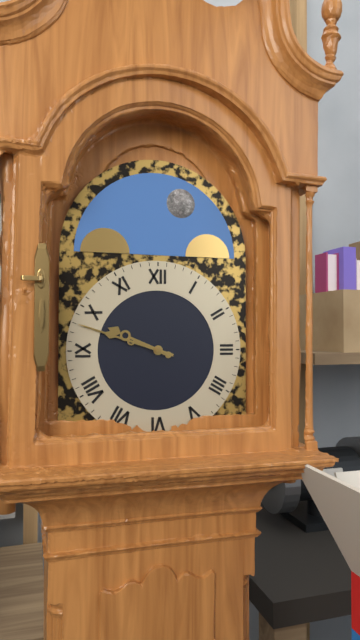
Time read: **9:48**
